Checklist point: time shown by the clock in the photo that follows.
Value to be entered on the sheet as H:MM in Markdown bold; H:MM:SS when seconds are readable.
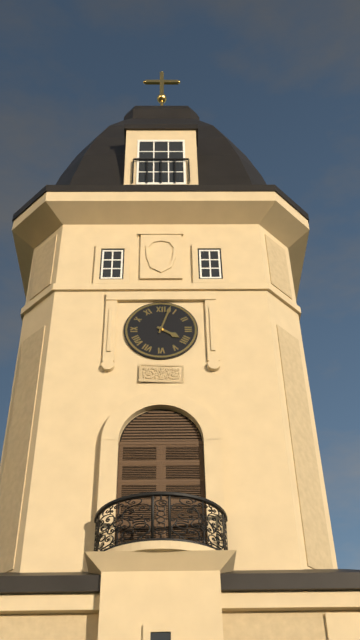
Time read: **4:03**
